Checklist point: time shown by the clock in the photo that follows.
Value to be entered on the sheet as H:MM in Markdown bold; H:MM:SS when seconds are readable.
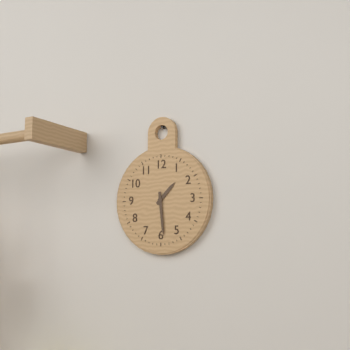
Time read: **1:29**
